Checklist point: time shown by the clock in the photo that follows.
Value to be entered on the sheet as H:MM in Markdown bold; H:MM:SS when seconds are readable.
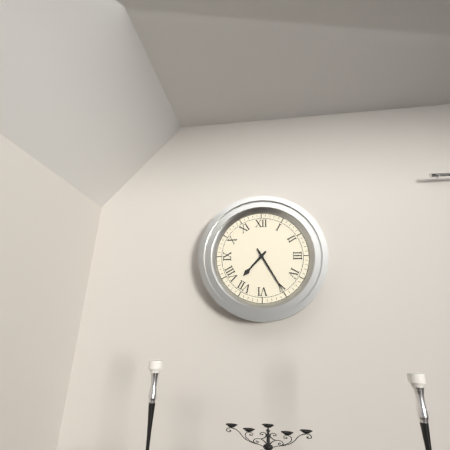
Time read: **7:25**
